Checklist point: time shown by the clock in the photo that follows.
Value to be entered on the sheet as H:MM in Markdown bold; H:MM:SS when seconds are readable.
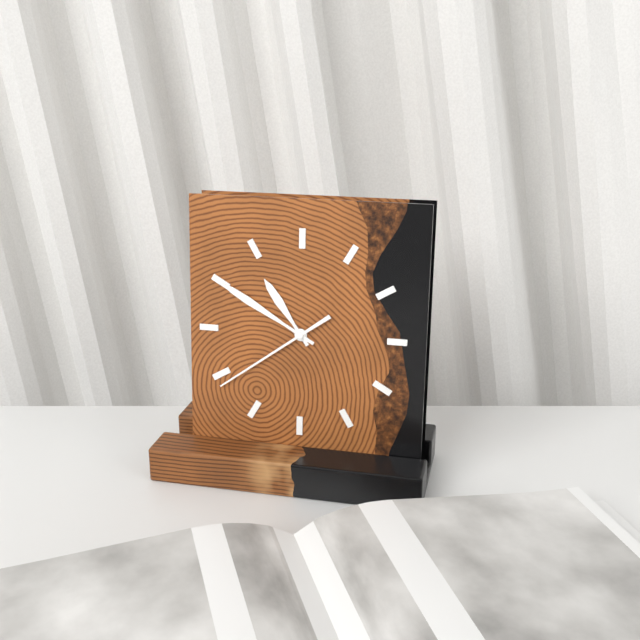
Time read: **10:50:39**
